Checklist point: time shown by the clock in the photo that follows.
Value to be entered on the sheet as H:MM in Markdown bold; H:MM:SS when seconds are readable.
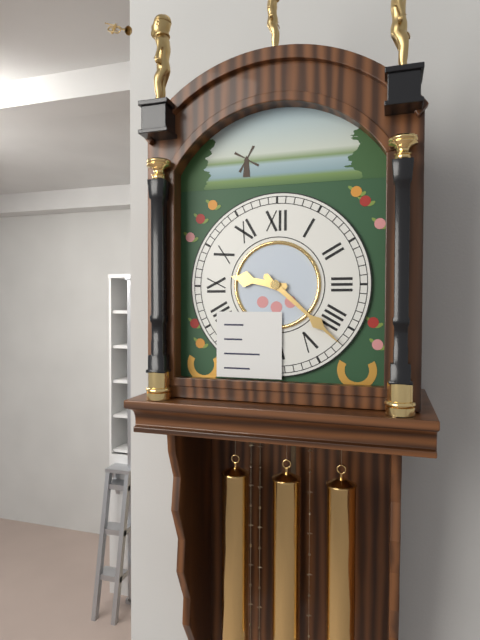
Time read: **9:22**
